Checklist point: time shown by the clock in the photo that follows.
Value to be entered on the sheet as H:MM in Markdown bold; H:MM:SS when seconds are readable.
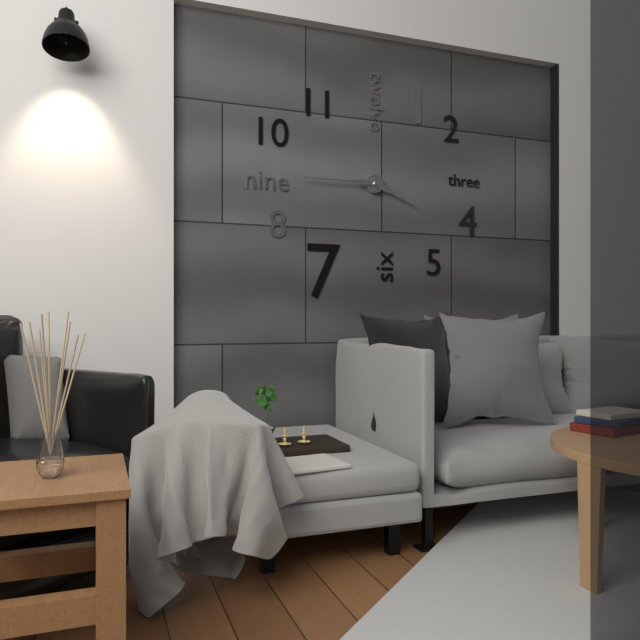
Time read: **3:45**
